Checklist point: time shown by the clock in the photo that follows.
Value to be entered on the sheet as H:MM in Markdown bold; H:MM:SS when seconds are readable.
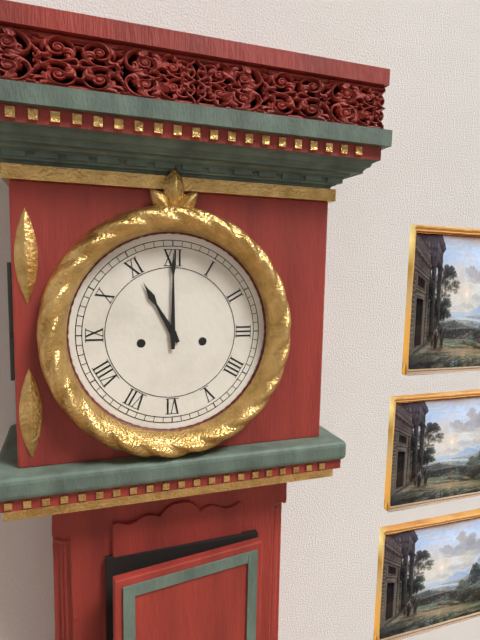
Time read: **11:00**
